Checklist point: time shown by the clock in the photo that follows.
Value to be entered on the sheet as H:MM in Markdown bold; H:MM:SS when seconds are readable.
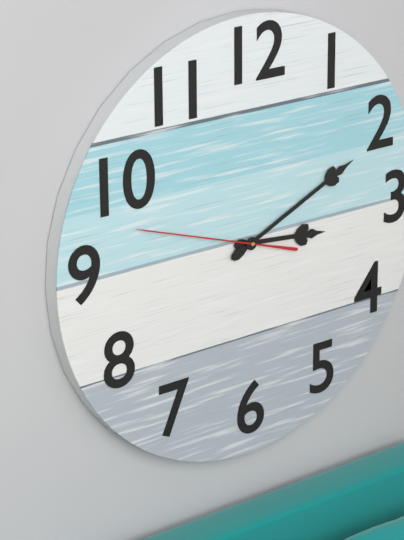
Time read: **3:11:48**
